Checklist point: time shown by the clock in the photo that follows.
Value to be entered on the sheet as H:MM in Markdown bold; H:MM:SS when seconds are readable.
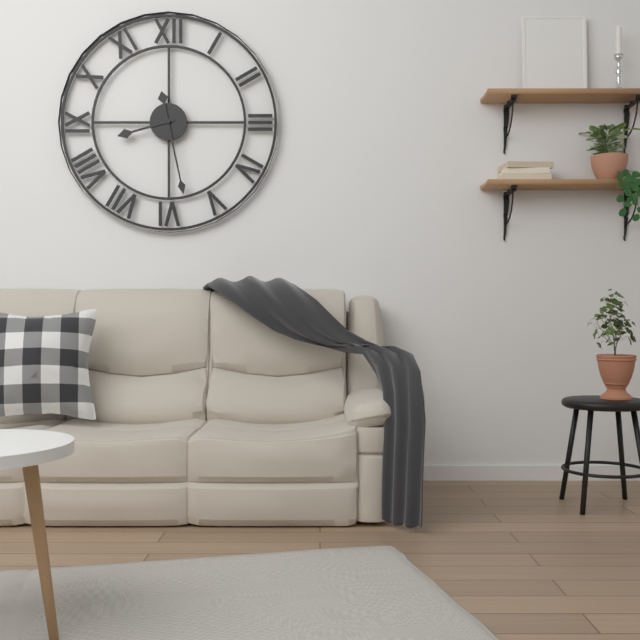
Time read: **8:28**
